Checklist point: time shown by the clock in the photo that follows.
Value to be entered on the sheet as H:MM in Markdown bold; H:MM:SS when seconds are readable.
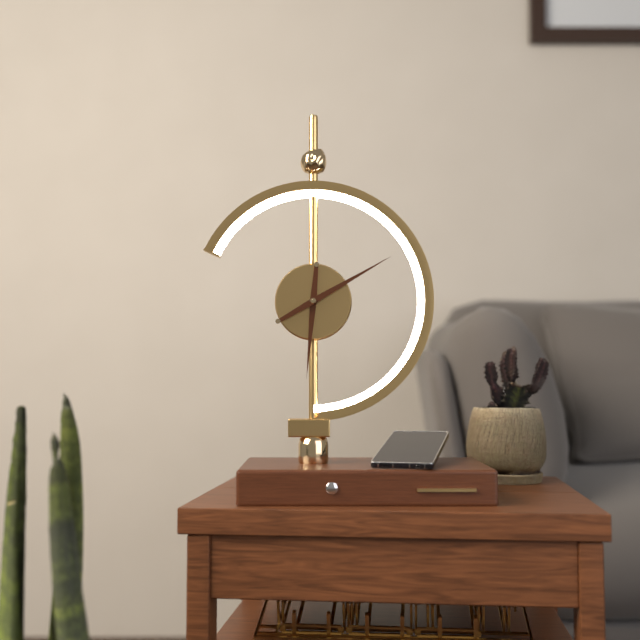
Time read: **6:10**
